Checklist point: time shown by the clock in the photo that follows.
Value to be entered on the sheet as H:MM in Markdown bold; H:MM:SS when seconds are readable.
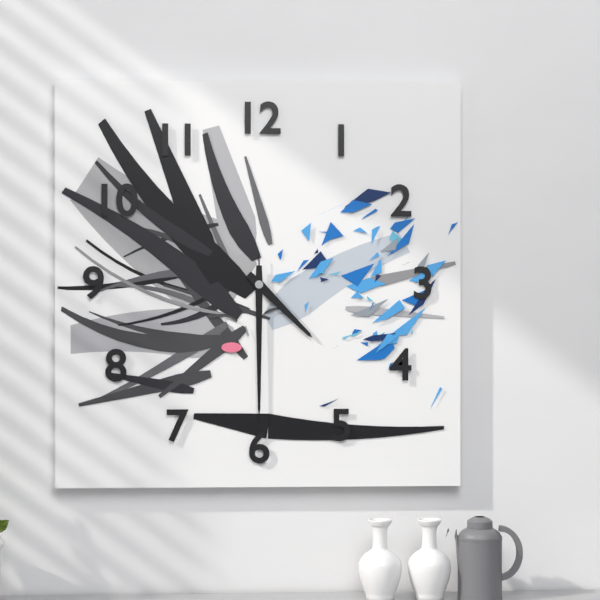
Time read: **4:30:30**
